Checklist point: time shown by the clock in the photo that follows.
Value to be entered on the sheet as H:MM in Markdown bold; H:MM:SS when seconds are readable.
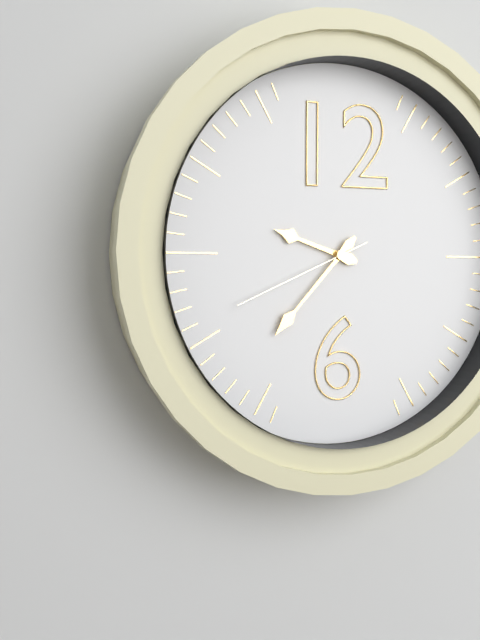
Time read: **9:37:41**
